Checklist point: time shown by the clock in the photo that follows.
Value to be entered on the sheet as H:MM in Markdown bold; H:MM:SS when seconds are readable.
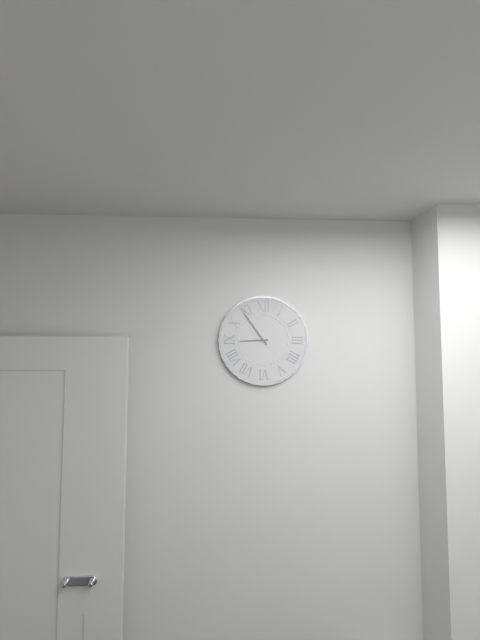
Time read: **8:54**
